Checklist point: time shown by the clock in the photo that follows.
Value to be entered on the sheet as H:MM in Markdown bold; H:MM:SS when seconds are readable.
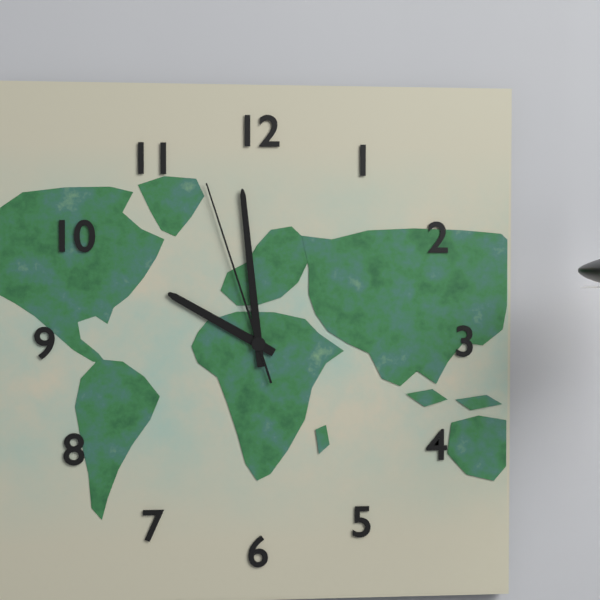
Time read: **9:59:57**
